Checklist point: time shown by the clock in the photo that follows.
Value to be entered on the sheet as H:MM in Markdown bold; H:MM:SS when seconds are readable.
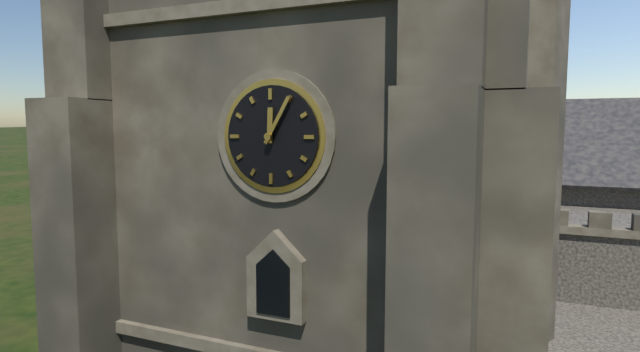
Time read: **12:05**
